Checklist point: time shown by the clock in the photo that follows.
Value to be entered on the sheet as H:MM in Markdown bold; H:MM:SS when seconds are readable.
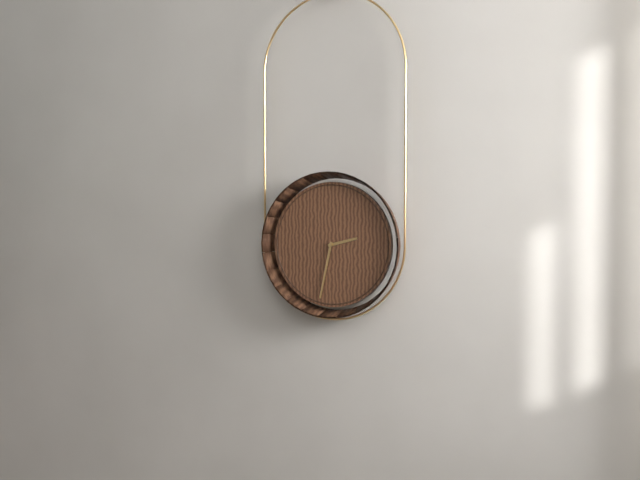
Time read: **2:32**
